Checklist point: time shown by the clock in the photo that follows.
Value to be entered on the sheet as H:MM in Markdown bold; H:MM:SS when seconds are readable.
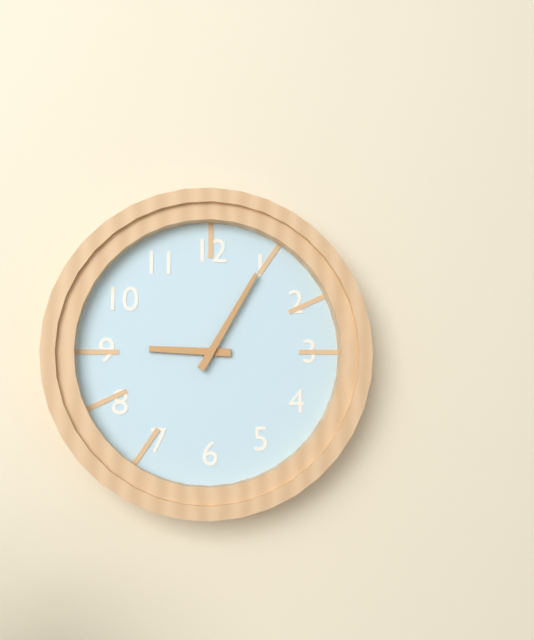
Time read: **9:05**
